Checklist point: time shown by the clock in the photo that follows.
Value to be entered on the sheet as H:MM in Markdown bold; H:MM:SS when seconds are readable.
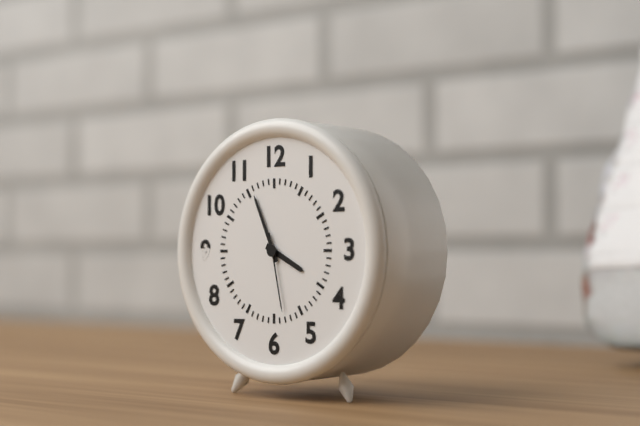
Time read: **3:56:28**
